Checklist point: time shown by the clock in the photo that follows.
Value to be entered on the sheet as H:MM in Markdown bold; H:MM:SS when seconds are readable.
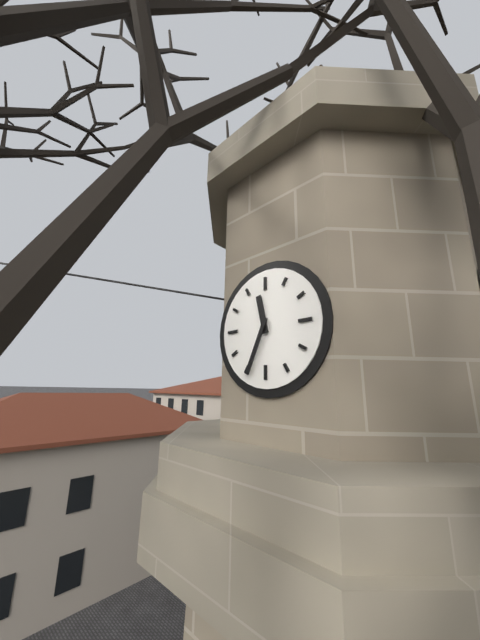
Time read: **11:34**
